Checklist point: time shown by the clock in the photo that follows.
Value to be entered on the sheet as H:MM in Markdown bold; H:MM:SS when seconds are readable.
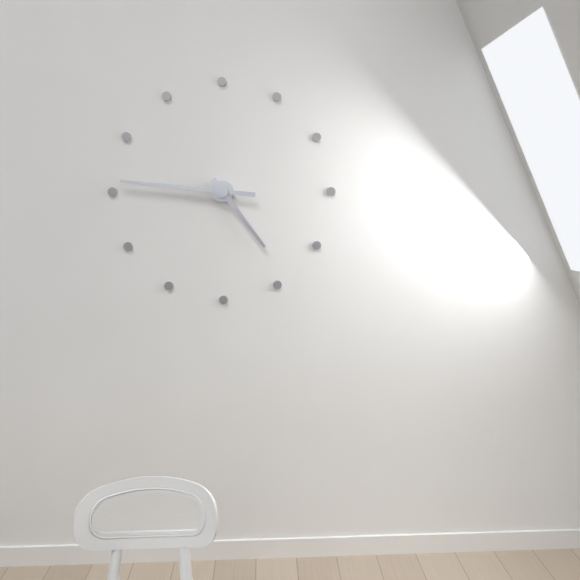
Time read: **4:46**
